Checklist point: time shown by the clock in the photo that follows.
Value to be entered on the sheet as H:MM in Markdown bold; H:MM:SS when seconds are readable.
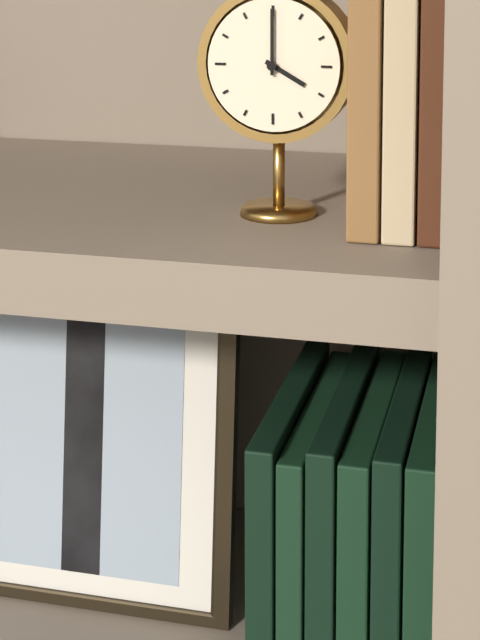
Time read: **4:00**
